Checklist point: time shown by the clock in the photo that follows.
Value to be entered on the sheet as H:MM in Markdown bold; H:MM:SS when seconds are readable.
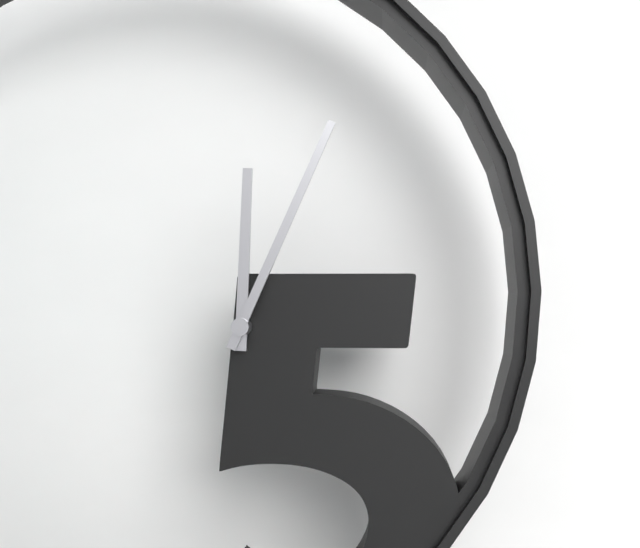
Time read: **12:04**
